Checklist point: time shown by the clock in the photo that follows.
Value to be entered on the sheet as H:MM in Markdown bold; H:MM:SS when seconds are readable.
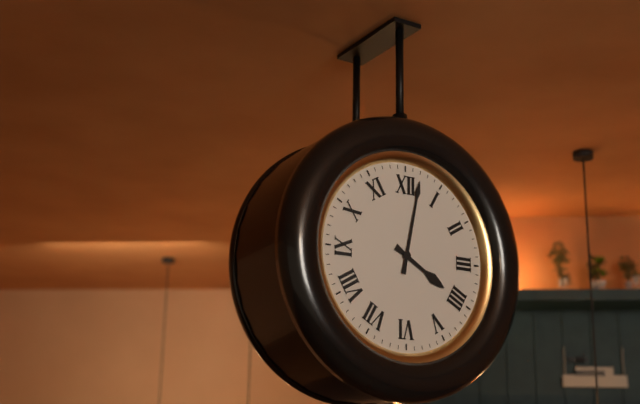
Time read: **4:02**
